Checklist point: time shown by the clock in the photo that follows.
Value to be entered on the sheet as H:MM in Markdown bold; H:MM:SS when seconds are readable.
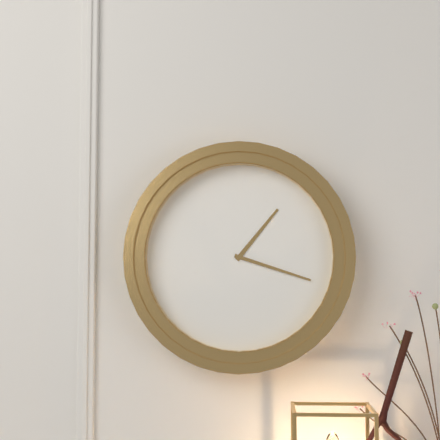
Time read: **1:18**
